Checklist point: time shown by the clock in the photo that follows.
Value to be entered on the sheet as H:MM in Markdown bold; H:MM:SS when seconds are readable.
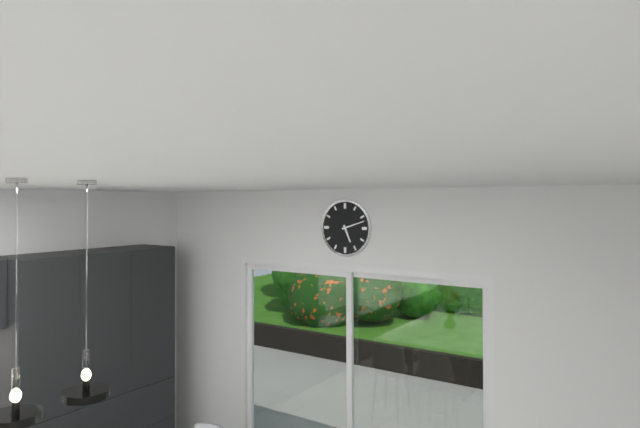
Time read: **5:12**
